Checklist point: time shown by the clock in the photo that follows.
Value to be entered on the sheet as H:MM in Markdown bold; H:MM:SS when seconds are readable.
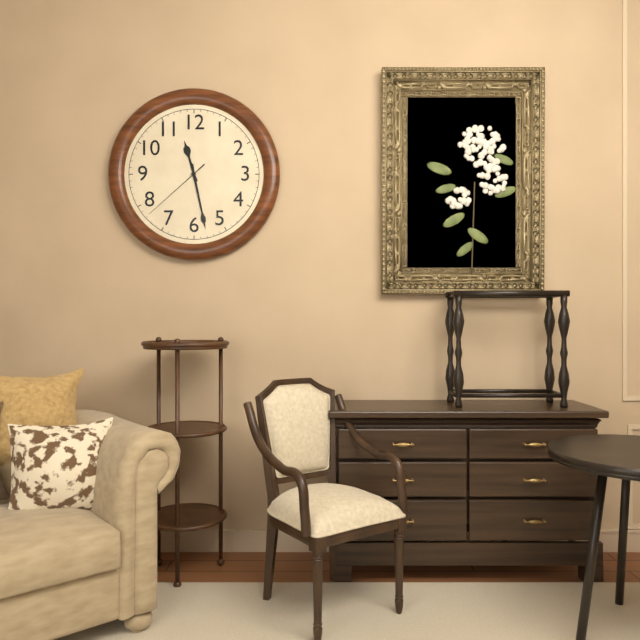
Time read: **11:28:38**
